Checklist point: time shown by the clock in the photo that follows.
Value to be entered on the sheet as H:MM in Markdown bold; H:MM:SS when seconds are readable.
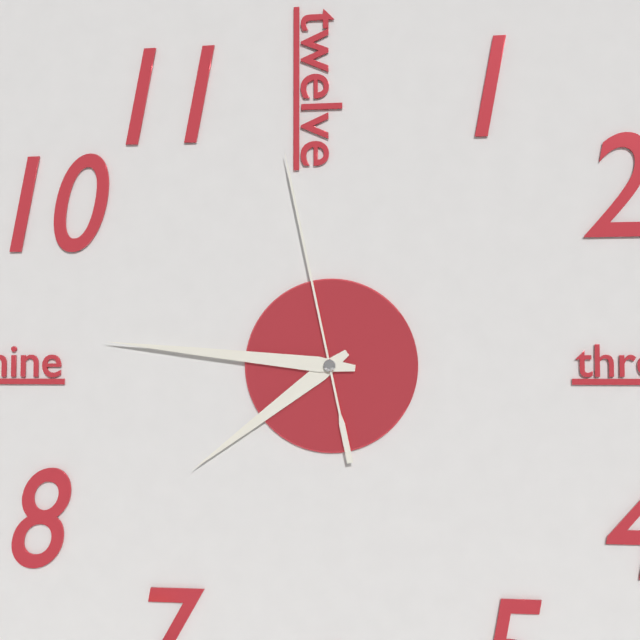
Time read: **7:46:58**
